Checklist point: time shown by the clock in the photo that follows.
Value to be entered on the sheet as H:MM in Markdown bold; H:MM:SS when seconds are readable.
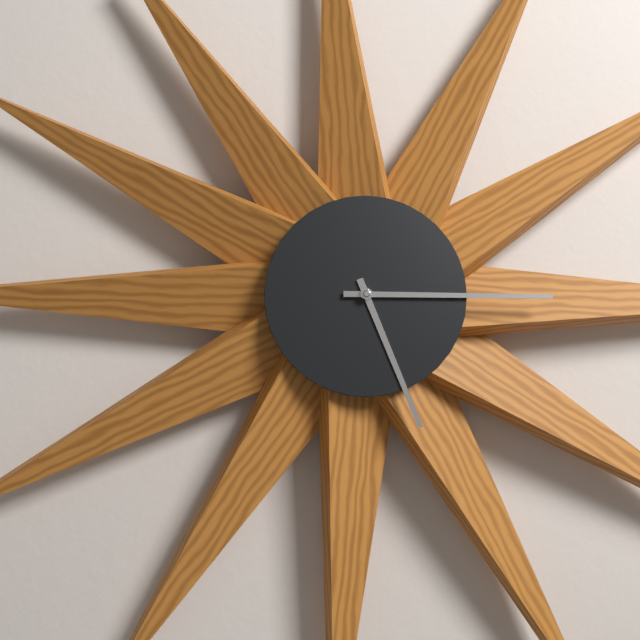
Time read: **5:15**
